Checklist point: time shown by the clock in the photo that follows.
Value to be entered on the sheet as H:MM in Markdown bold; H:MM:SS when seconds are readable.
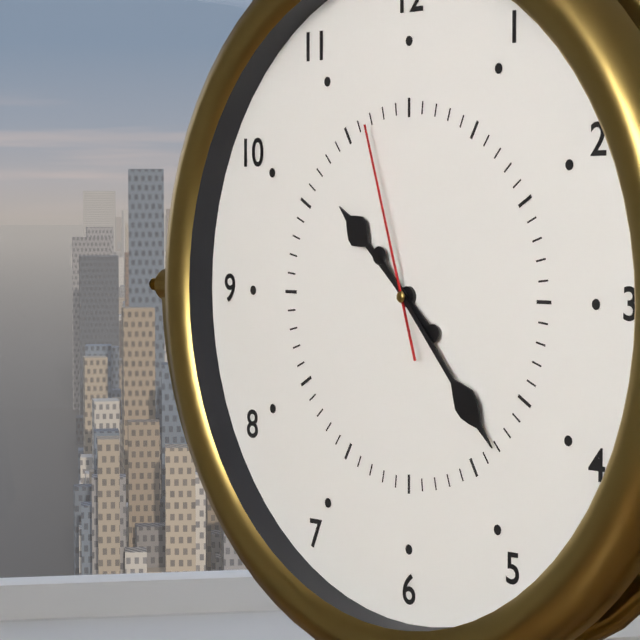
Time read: **10:23:57**
